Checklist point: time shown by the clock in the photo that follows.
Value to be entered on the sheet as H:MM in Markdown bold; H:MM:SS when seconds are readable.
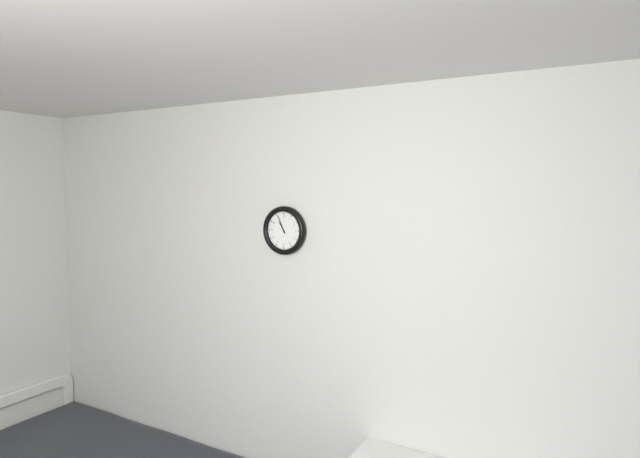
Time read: **10:56**
